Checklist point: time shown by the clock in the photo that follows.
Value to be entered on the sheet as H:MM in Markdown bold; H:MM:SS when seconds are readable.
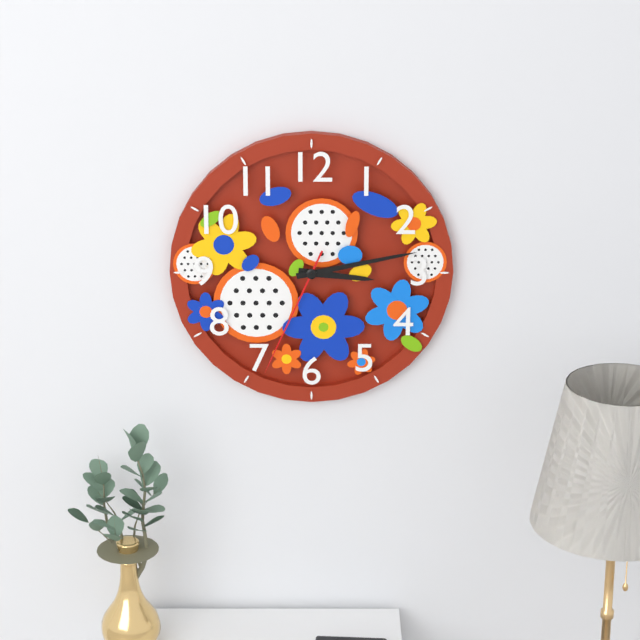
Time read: **3:13:34**
